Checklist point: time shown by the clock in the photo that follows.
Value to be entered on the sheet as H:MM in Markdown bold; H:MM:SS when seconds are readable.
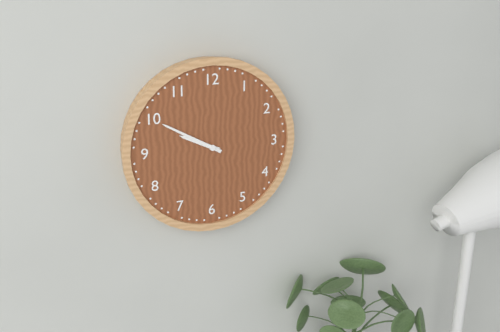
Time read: **9:50**
